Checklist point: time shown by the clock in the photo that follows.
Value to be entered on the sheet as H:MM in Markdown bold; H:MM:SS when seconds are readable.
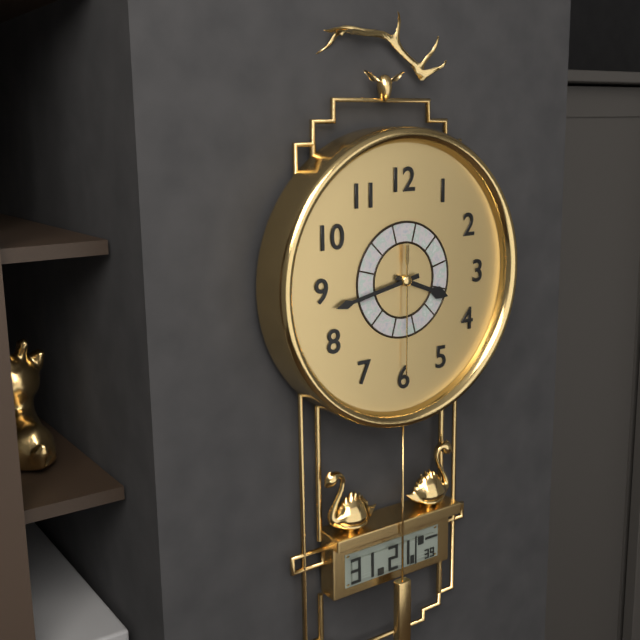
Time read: **3:43:30**
